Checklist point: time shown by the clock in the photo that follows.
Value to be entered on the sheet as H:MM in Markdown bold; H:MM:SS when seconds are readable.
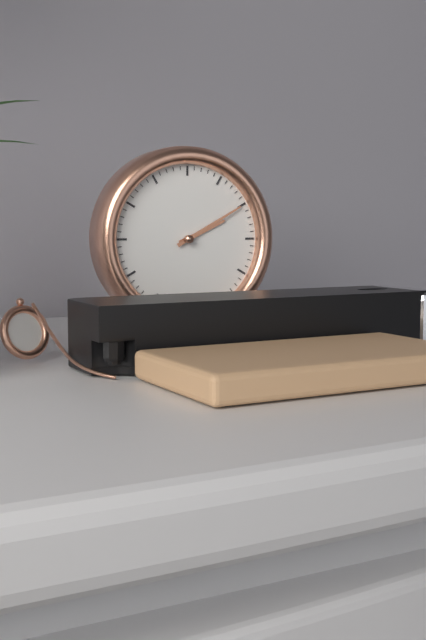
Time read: **2:10**
